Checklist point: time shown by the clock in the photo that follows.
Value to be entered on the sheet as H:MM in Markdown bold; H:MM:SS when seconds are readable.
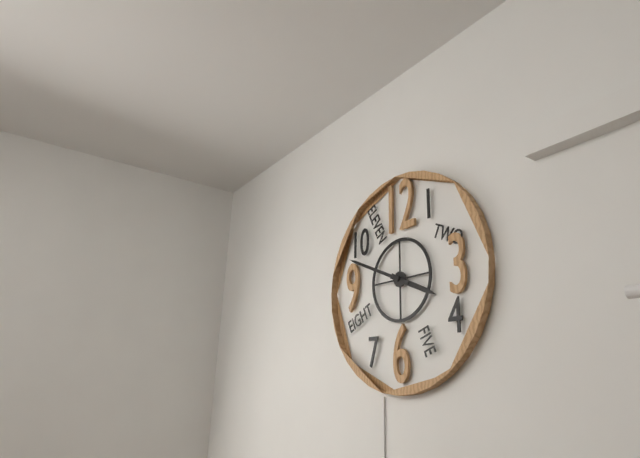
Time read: **3:49**
